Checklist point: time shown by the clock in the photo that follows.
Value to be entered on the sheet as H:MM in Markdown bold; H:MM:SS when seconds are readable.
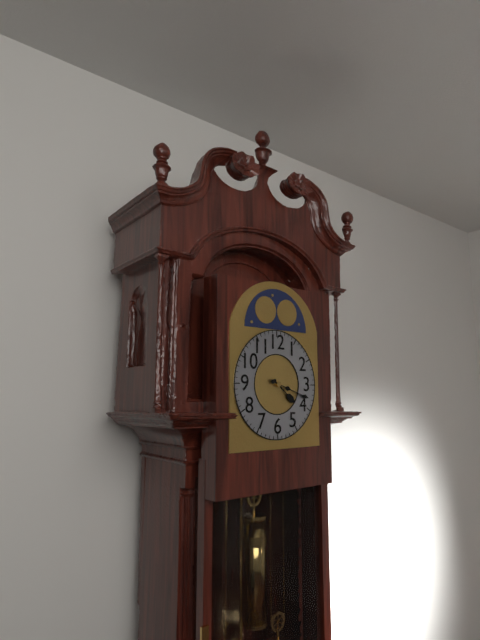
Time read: **4:18**
